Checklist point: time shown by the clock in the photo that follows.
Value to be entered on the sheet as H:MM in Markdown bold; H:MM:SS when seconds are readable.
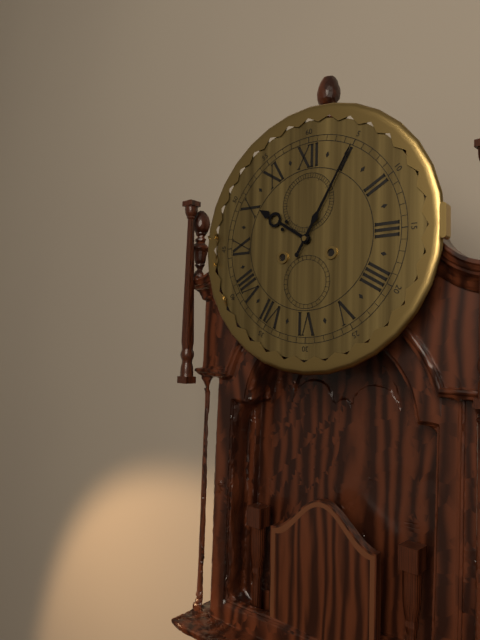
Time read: **10:05**
